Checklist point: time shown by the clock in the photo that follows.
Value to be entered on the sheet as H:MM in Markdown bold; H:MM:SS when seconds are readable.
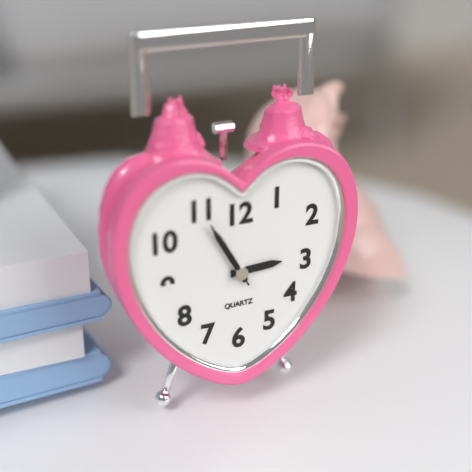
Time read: **2:55:55**
